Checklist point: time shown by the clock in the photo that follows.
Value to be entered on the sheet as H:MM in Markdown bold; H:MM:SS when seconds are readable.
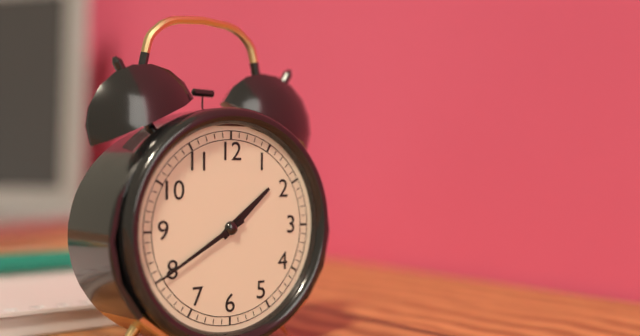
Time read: **1:40**
